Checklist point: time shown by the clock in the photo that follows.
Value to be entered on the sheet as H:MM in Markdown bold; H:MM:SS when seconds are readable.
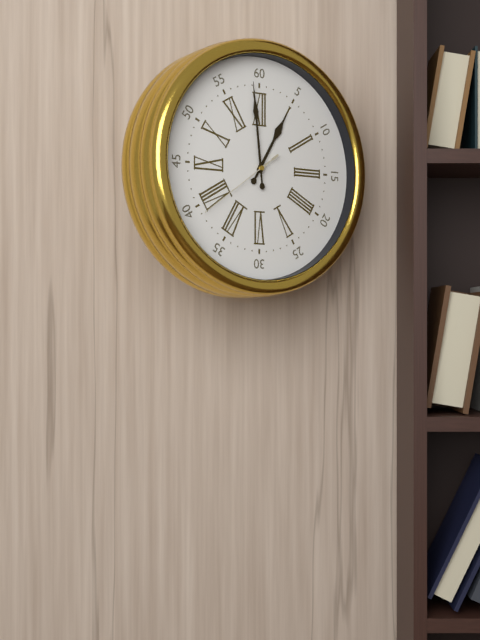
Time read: **12:59:39**
